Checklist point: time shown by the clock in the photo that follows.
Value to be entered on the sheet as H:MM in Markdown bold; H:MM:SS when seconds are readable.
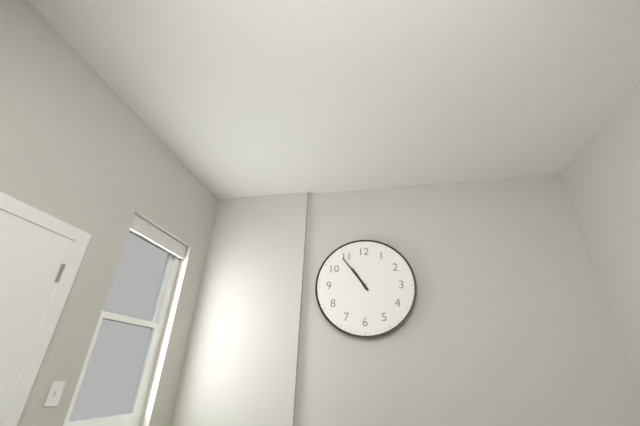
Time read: **10:54**
